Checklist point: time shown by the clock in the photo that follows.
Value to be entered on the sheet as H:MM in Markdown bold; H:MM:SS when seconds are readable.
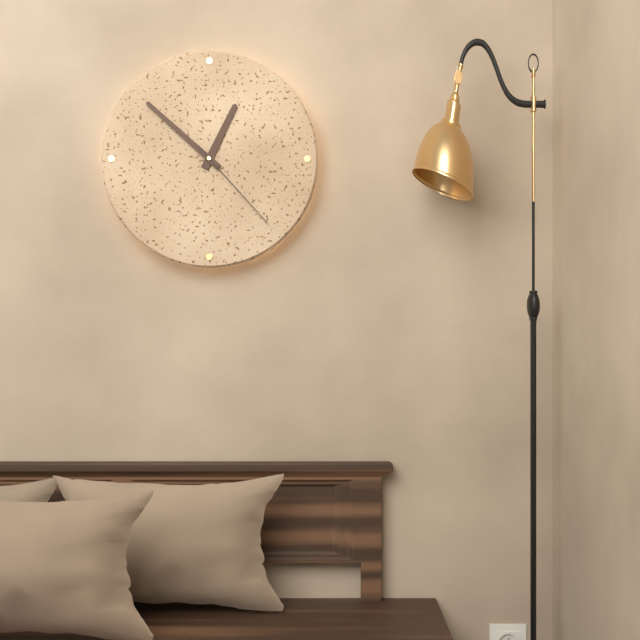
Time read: **12:52:23**
